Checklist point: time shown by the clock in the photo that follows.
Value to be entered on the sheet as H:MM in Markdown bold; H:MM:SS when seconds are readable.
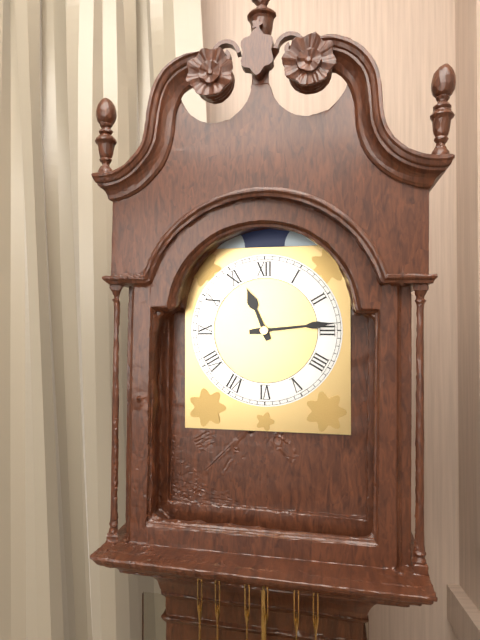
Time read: **11:14**
